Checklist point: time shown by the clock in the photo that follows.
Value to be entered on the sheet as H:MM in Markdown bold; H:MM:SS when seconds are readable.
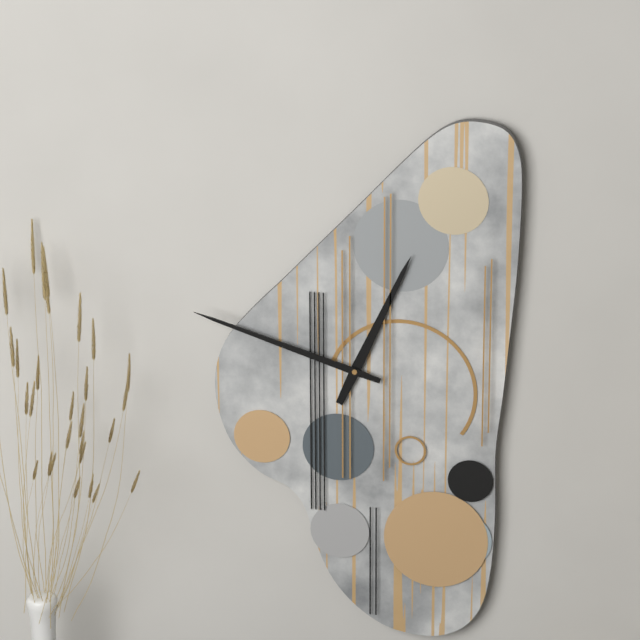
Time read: **12:48**
